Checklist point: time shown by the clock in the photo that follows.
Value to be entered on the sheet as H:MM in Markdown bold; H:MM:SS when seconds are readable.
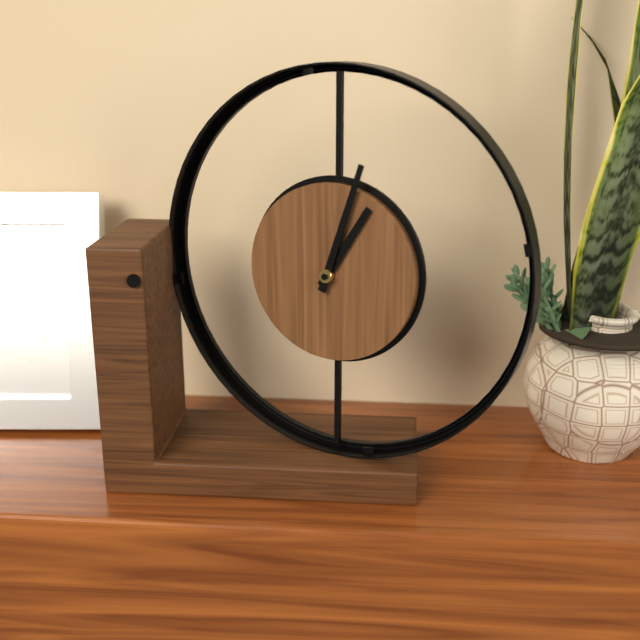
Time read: **1:03**
